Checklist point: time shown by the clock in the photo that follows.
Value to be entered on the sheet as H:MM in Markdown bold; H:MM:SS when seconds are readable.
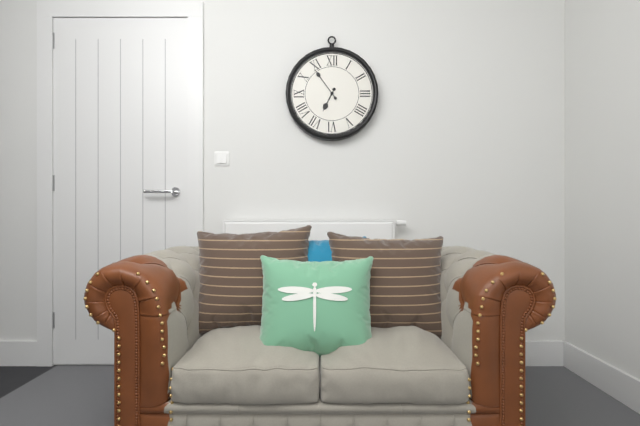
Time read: **6:54**
